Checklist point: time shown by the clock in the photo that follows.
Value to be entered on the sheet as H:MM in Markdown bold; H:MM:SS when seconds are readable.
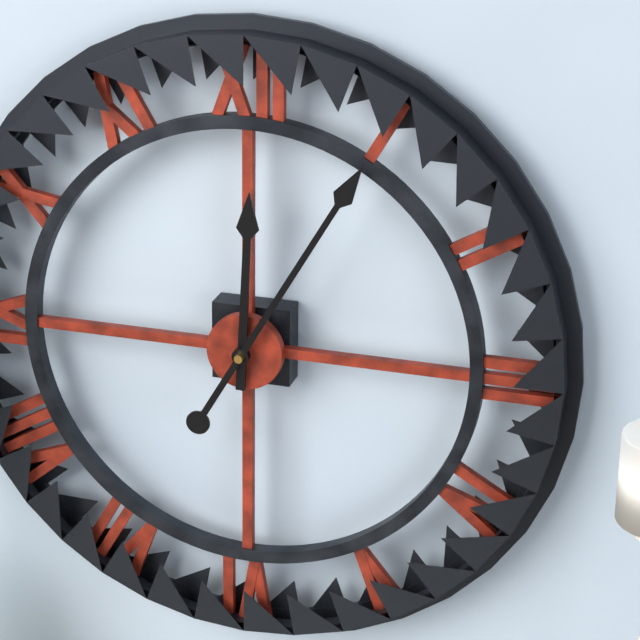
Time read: **12:05**
